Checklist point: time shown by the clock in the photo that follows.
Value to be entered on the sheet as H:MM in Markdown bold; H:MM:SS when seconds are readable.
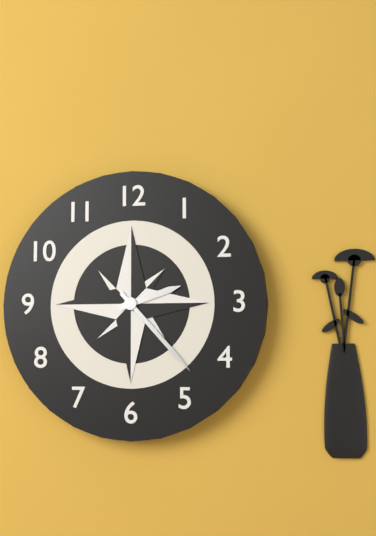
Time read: **2:23**
